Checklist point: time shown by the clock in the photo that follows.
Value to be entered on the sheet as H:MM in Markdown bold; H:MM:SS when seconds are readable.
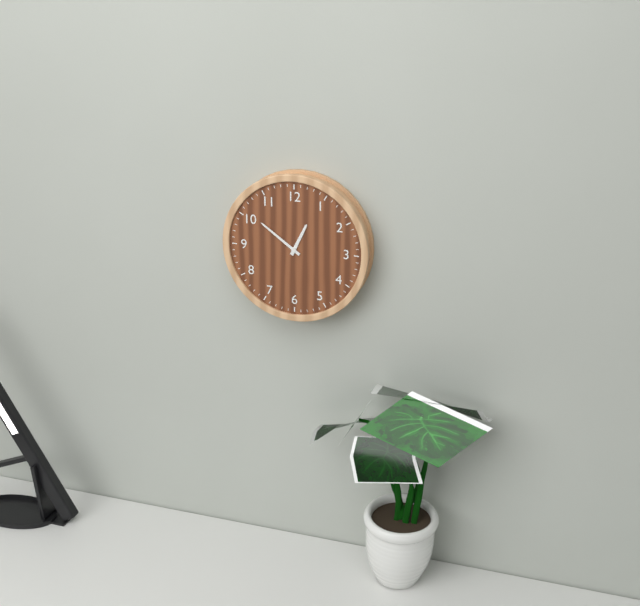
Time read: **12:51**
